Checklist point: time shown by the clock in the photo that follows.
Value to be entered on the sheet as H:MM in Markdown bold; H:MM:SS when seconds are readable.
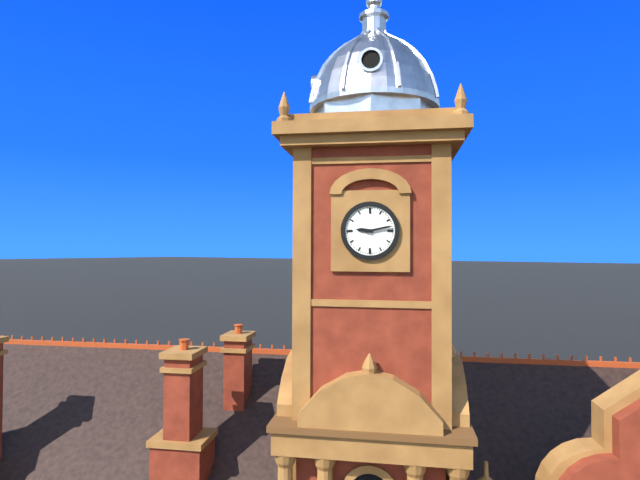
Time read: **9:13**
